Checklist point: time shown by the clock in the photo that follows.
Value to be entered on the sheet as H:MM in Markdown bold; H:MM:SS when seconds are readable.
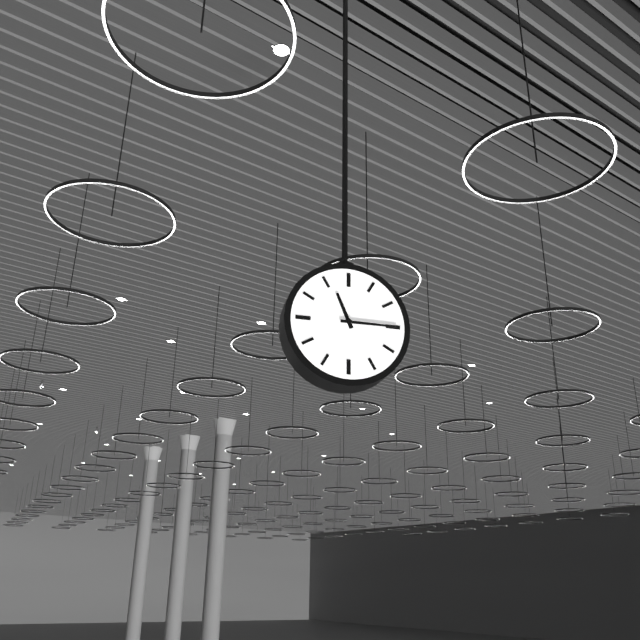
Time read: **11:15**
